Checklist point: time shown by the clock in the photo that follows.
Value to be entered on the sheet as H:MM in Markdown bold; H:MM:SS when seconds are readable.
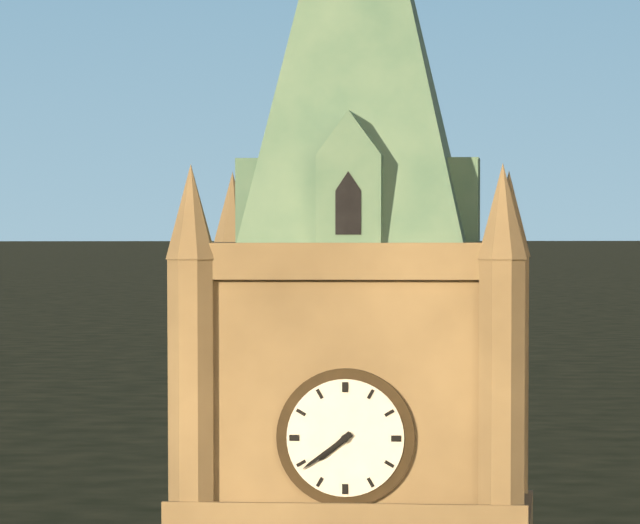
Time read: **7:39**
